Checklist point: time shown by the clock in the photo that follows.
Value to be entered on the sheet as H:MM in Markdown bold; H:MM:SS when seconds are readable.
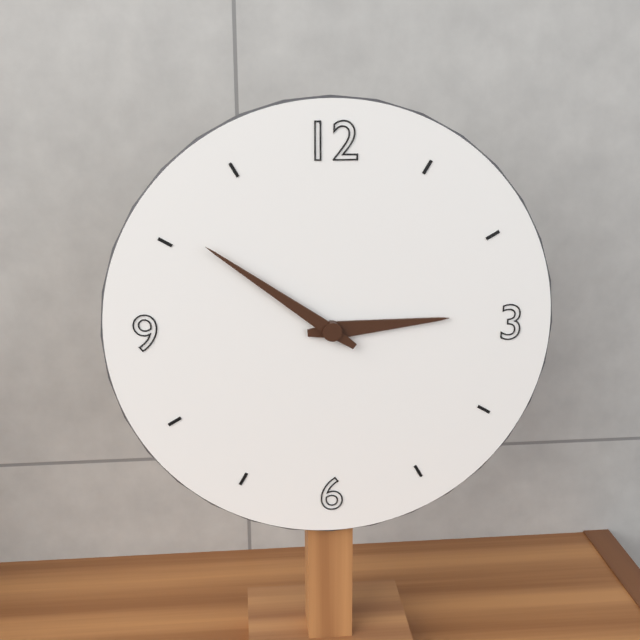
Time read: **2:51**
